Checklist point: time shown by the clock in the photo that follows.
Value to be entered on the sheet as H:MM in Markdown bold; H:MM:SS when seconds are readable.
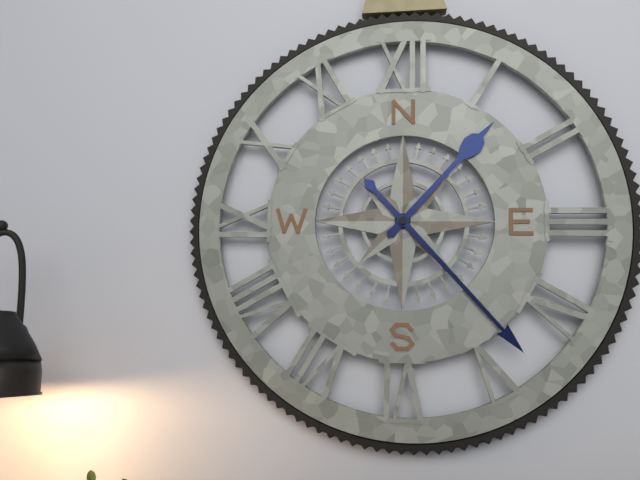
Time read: **1:23**
